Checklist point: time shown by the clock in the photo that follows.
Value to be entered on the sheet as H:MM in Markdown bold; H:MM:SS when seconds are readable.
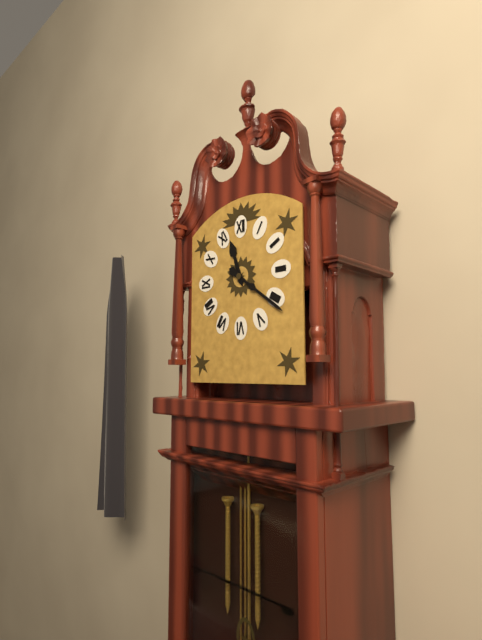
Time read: **11:21**
